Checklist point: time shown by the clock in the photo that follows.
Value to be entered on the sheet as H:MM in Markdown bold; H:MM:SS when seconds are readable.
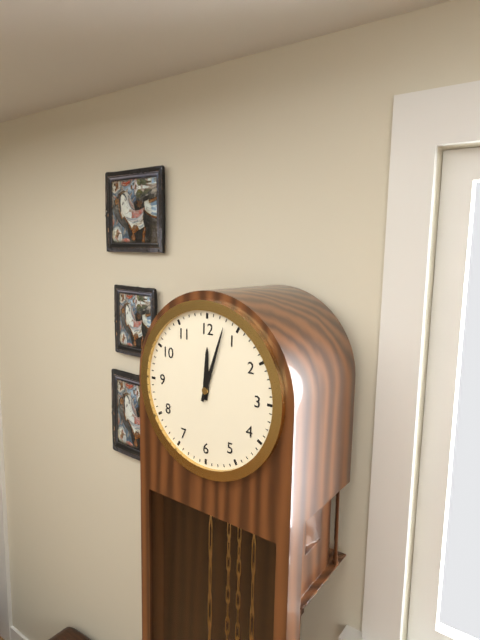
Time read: **12:03**
